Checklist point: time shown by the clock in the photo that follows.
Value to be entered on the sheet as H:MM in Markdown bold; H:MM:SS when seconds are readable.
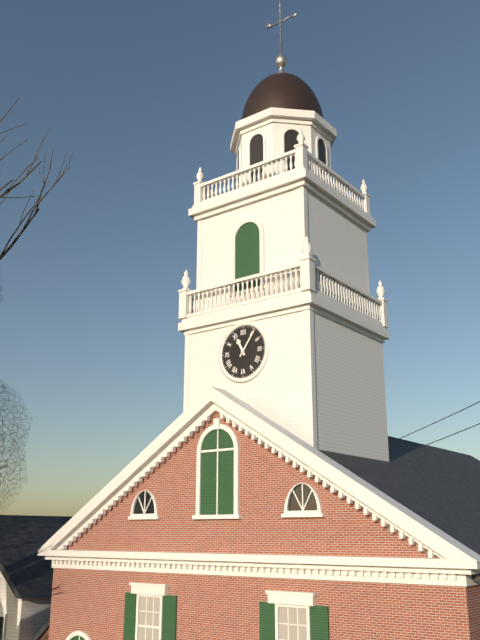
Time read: **11:06**
